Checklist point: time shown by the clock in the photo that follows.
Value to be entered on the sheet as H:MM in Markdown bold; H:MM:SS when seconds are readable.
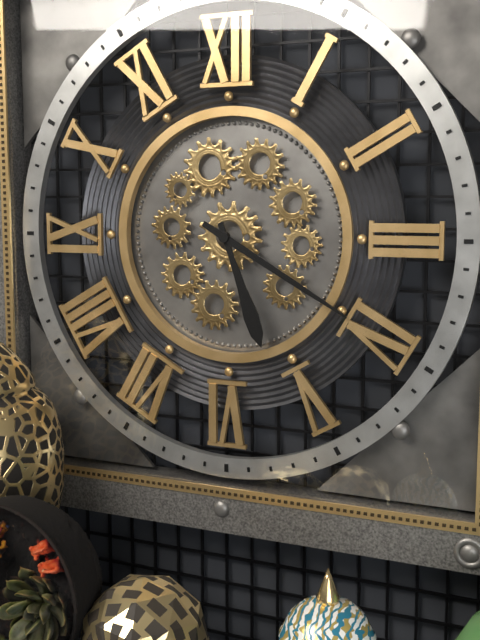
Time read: **5:20**
